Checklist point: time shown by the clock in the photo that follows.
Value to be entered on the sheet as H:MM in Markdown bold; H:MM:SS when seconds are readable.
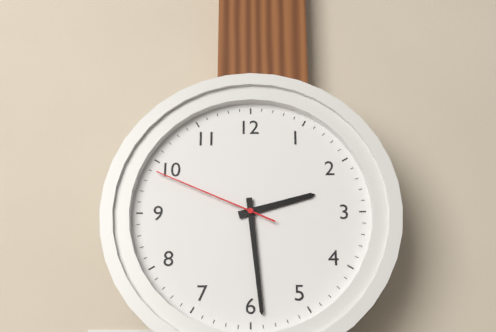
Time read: **2:29:49**
